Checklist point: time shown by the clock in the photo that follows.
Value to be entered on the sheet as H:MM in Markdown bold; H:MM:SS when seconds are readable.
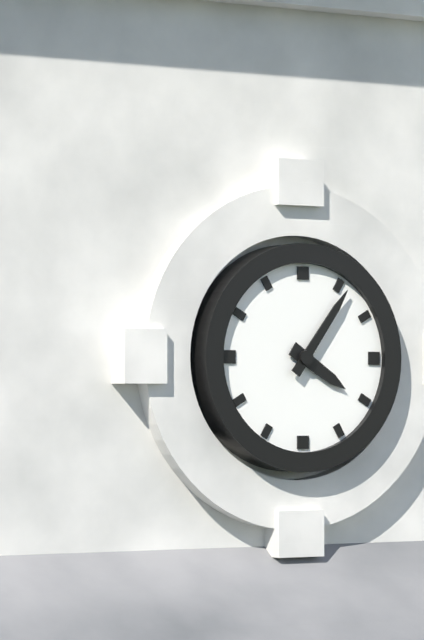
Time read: **4:06**
